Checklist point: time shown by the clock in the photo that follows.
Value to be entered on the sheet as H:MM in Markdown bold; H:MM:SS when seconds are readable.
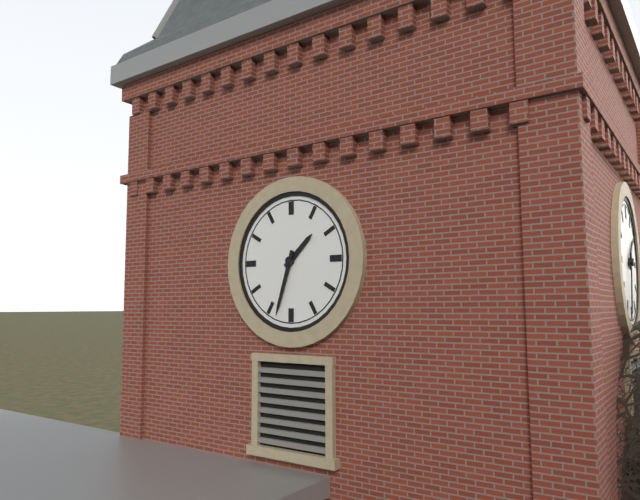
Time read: **1:33**
